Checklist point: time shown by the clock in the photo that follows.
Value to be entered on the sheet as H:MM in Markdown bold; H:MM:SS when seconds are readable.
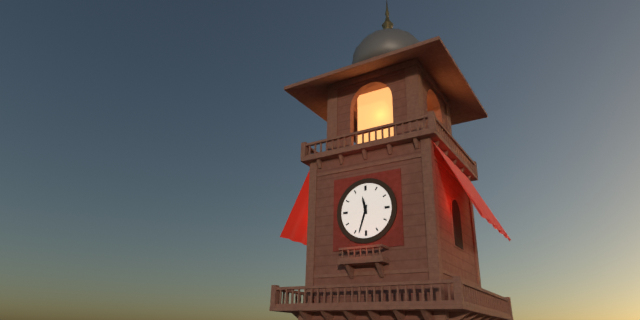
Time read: **11:33**
